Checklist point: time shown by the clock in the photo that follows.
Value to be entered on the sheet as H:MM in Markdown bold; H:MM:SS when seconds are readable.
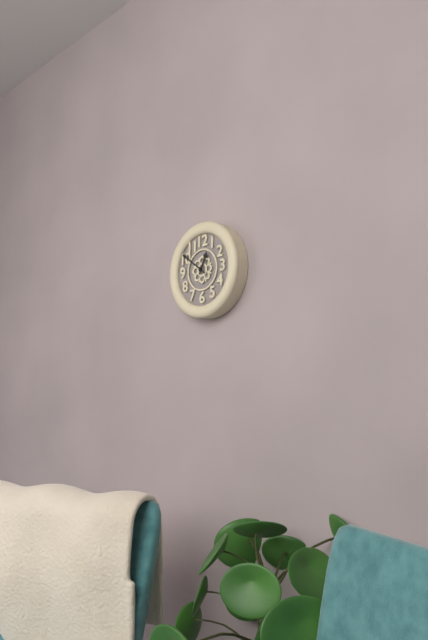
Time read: **12:51**
